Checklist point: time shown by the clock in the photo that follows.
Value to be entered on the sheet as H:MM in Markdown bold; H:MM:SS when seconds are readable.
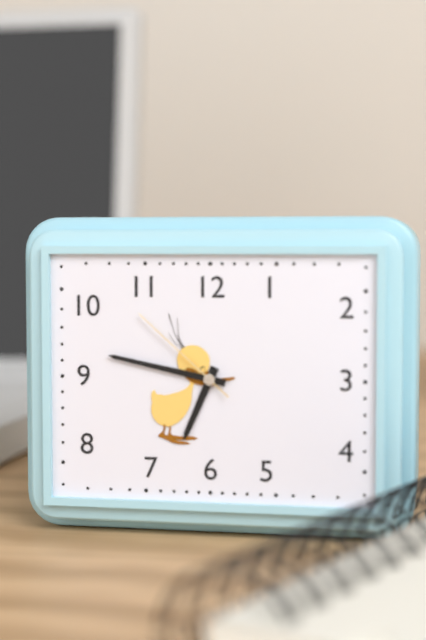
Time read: **6:47:52**
